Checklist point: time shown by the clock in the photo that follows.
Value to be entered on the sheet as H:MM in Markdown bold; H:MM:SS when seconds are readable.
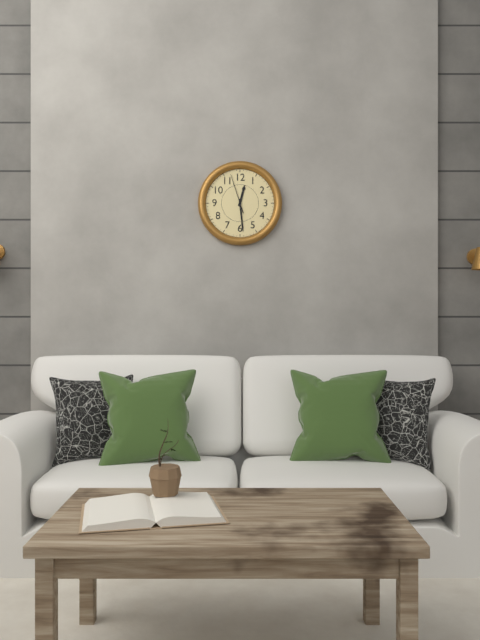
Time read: **12:29**
